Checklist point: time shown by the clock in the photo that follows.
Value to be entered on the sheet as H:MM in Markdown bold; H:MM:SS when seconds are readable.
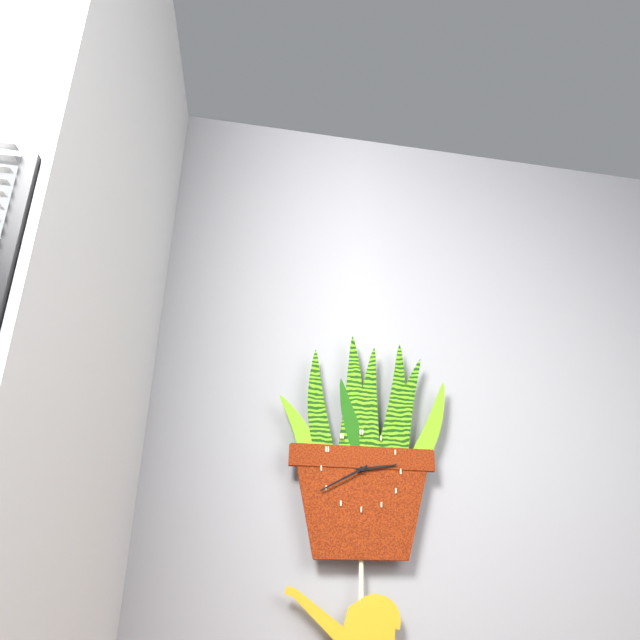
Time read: **2:40**
